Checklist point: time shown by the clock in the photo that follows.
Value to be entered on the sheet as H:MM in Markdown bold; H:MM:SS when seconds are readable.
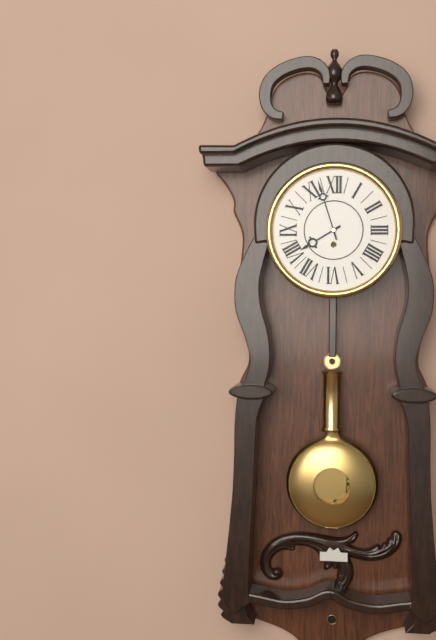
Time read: **7:57**
